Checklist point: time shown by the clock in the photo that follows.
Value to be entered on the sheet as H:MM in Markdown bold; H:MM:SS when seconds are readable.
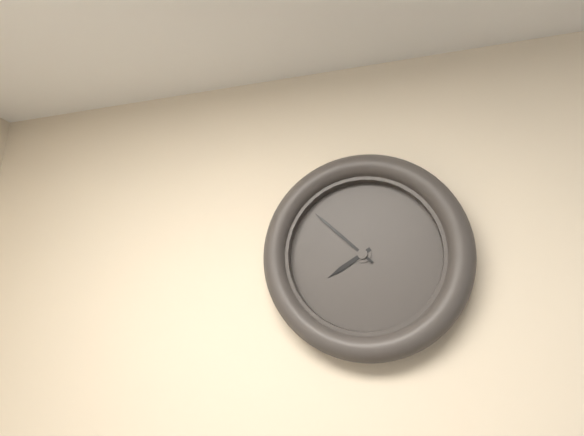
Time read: **7:52**
